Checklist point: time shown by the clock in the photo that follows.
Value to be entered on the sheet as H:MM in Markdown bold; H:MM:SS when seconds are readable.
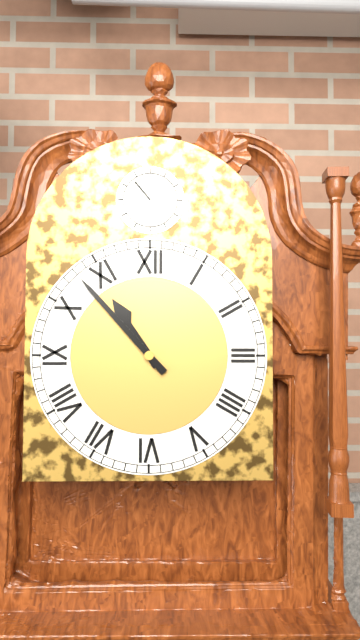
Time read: **10:53**
